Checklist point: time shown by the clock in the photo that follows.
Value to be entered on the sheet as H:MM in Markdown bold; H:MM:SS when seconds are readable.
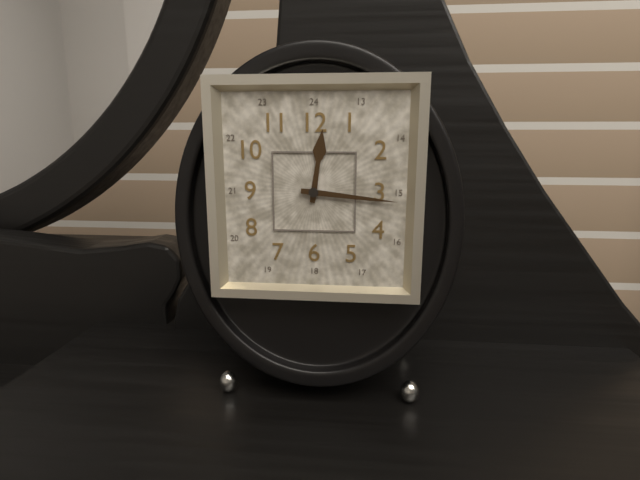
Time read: **12:16**
